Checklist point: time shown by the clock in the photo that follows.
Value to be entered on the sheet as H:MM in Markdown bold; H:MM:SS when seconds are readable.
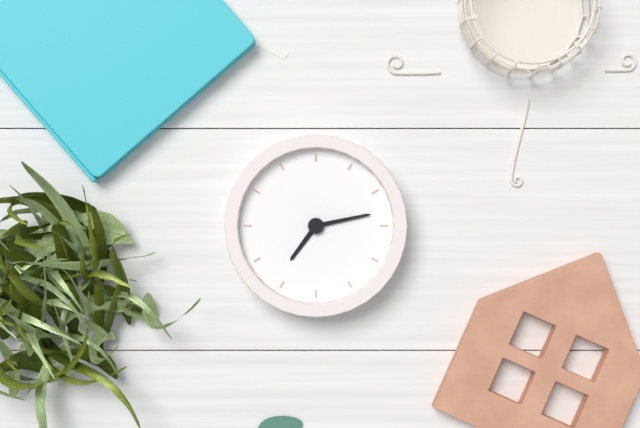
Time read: **7:13**
